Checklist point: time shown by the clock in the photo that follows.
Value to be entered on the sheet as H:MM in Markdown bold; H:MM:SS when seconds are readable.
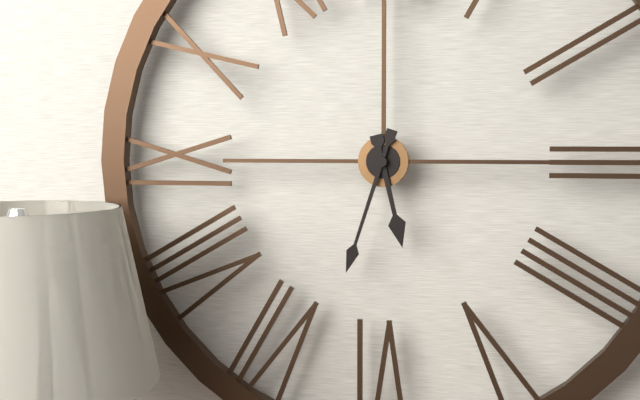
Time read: **5:33**
